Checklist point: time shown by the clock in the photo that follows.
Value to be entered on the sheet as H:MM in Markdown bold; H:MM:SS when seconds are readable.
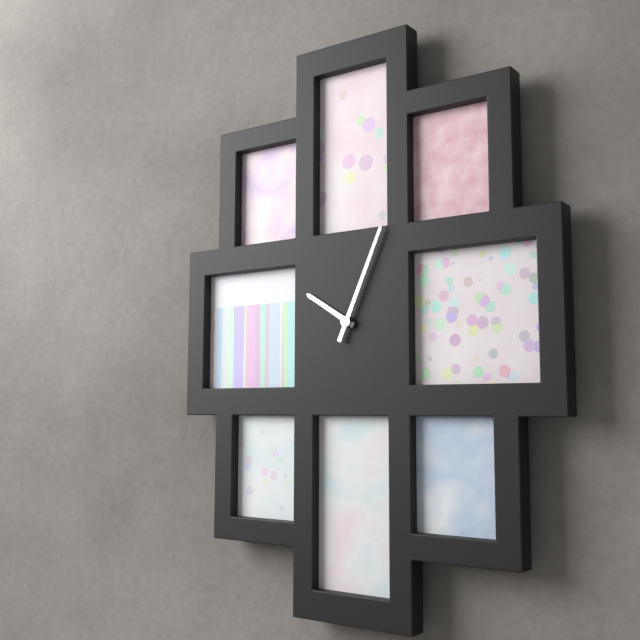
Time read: **10:04**
